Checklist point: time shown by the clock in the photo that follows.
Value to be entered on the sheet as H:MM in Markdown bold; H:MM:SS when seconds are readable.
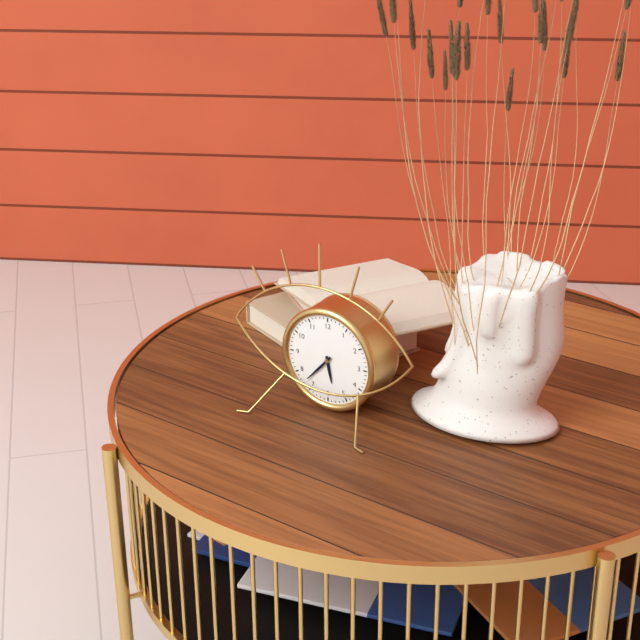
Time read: **5:37**
